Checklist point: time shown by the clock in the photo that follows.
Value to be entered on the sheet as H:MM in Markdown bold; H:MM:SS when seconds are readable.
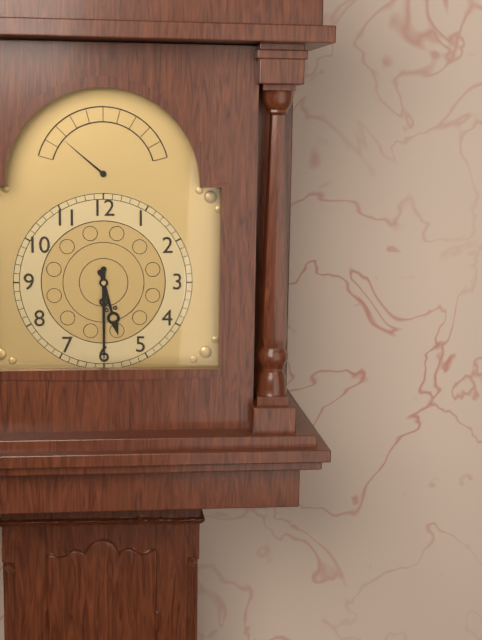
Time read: **5:30**
